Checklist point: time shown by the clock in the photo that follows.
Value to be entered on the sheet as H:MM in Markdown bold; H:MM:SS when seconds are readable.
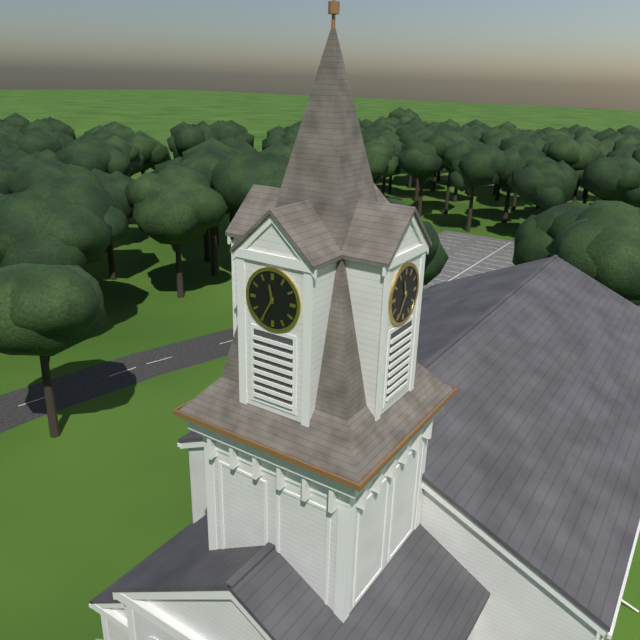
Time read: **11:35**
